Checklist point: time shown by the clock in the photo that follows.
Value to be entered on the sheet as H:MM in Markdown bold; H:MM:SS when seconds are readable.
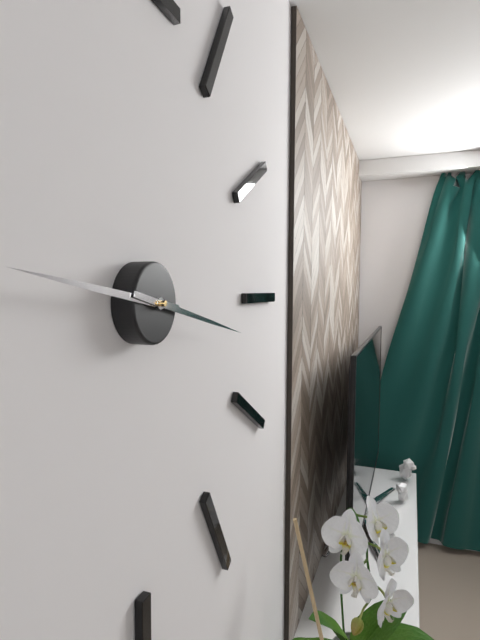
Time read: **9:17**
